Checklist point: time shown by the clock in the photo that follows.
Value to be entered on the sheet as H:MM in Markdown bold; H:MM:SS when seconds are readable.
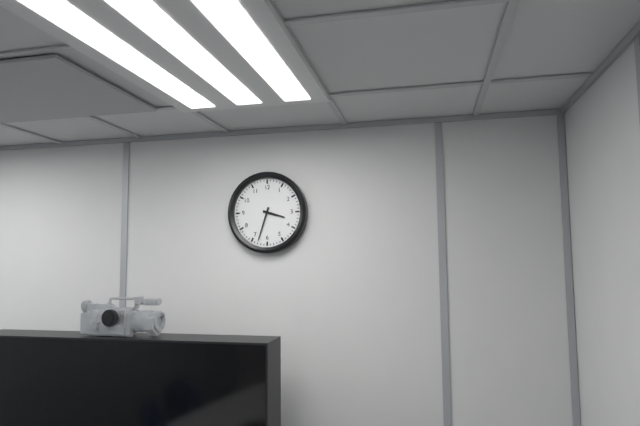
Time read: **3:33**
